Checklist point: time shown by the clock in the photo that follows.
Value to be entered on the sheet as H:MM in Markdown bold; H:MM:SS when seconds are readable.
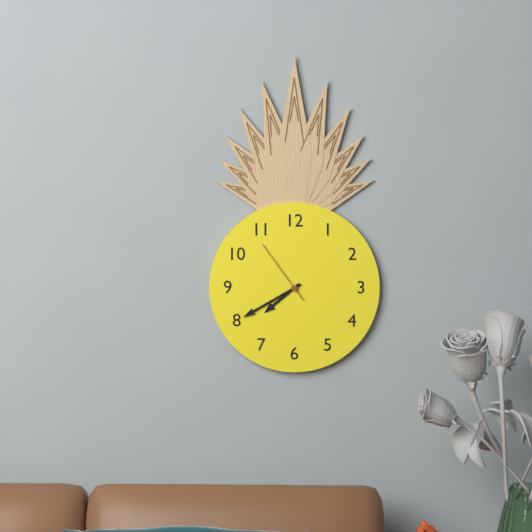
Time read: **7:40:54**
